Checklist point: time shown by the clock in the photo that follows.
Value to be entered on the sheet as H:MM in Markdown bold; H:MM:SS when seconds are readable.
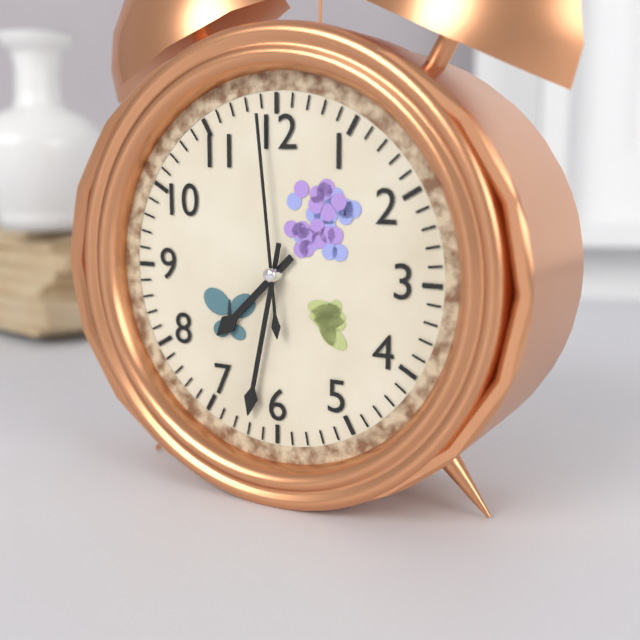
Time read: **7:32:59**
